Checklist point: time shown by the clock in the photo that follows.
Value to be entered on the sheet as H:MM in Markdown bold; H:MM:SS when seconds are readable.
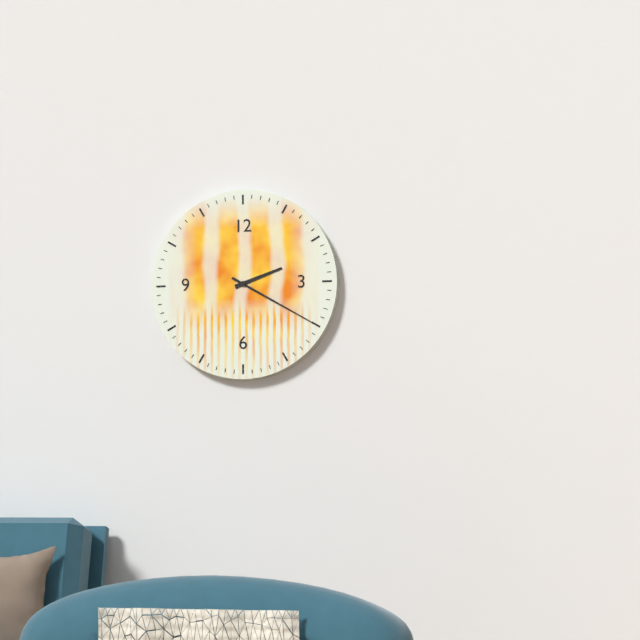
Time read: **2:20**
